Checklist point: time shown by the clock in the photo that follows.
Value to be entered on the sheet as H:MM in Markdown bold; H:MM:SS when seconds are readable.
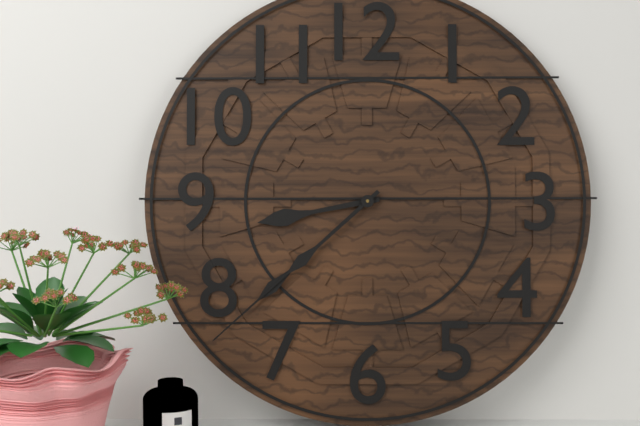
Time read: **8:38:38**
